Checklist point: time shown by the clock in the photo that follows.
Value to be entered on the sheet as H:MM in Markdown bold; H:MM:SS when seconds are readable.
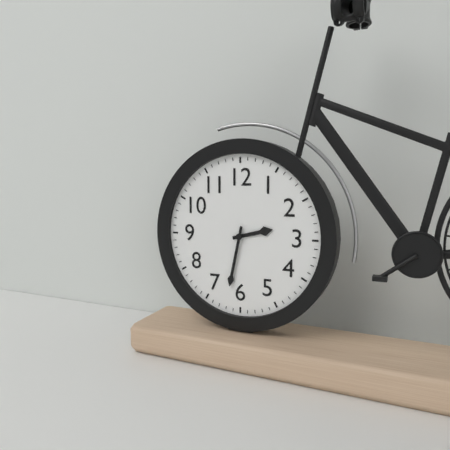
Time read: **2:32**
